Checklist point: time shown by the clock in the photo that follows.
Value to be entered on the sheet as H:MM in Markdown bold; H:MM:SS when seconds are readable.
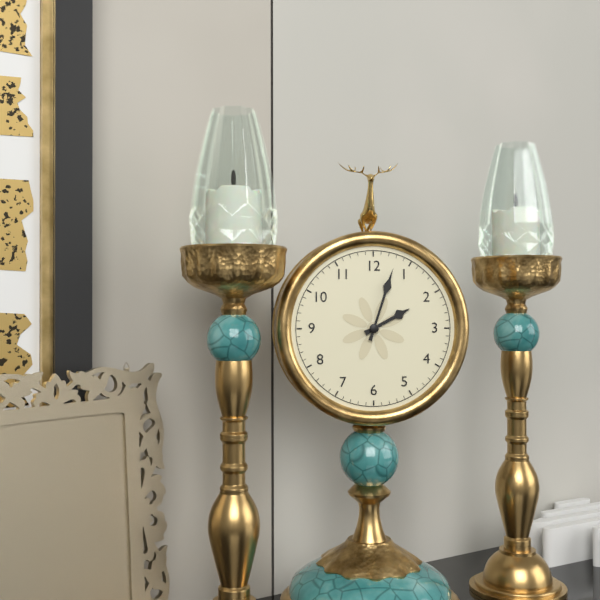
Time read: **2:03**
